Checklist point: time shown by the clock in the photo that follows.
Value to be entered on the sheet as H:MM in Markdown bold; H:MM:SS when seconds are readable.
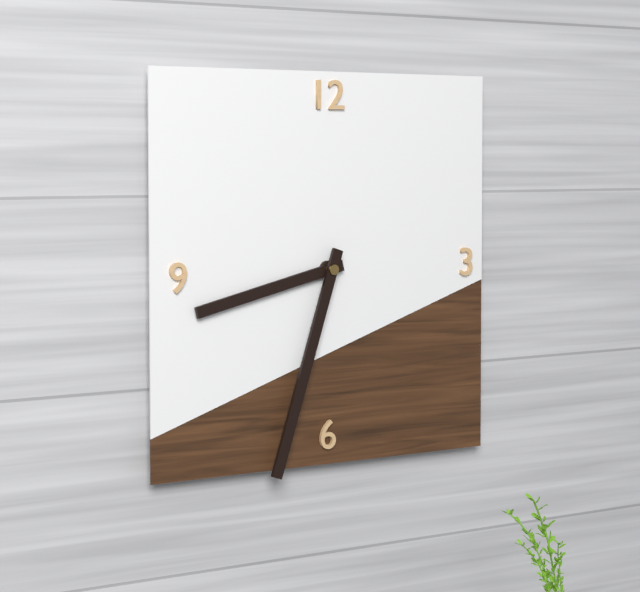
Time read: **8:33**
